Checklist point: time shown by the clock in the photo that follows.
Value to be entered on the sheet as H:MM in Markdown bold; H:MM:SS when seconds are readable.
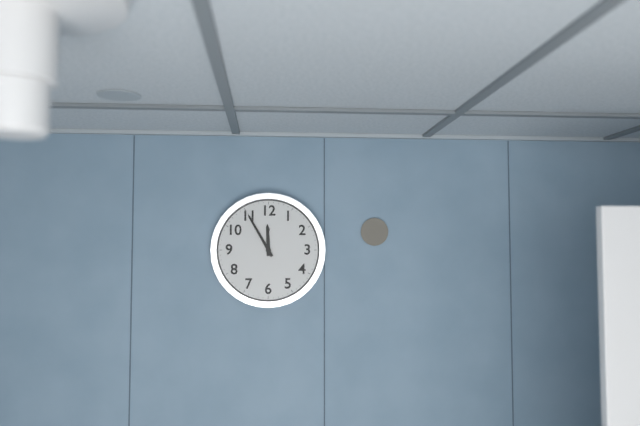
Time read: **11:55**
